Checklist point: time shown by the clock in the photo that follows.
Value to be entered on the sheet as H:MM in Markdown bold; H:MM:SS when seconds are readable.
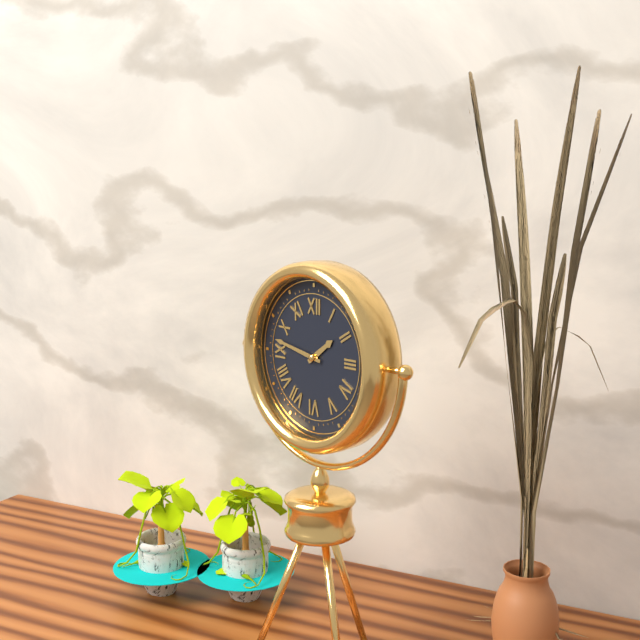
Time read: **1:47**
